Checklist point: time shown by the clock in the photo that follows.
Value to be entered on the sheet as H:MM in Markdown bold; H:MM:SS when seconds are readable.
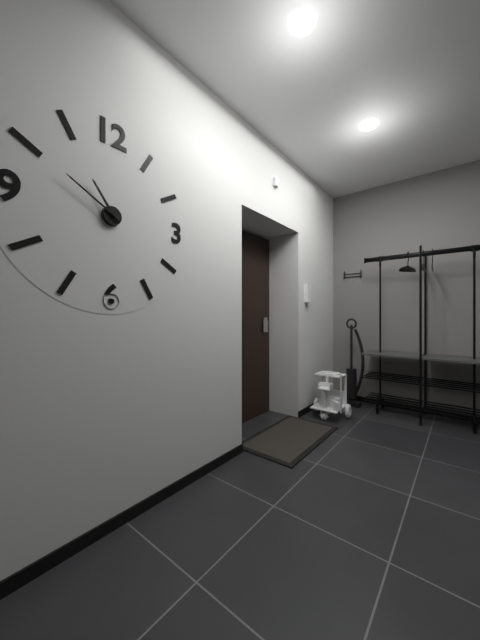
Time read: **10:50**
